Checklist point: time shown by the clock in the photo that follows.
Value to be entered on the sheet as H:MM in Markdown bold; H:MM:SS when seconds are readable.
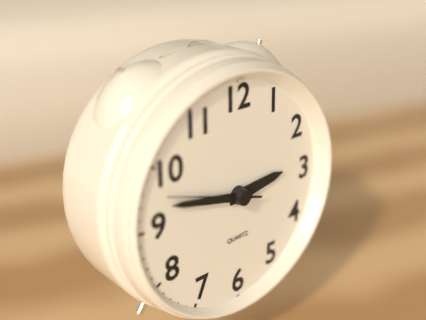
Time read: **2:47:48**
